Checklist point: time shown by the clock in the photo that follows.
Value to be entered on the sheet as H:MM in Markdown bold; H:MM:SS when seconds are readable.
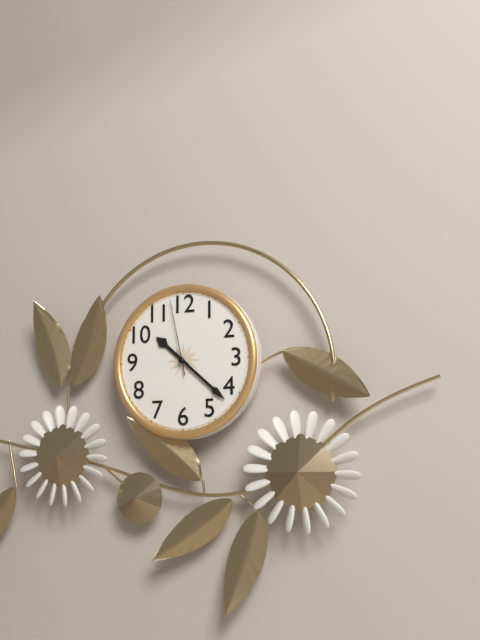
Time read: **10:22:58**
